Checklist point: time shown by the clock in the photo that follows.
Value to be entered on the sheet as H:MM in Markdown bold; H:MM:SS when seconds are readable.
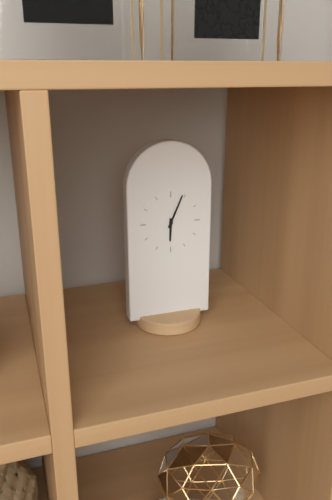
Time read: **6:04**
